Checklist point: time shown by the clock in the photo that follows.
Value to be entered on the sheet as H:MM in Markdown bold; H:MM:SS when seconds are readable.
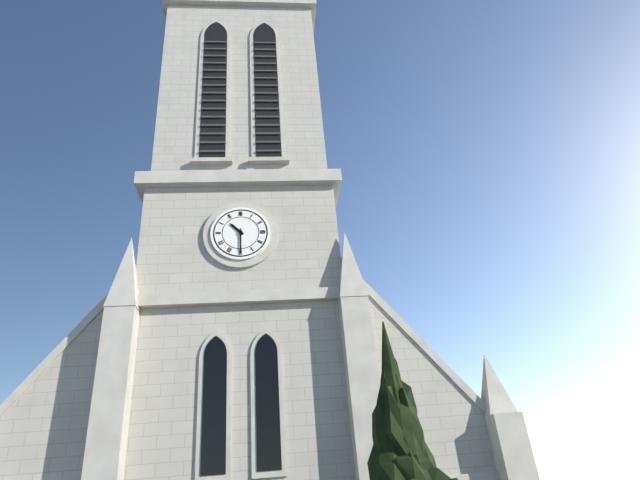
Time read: **10:30**
